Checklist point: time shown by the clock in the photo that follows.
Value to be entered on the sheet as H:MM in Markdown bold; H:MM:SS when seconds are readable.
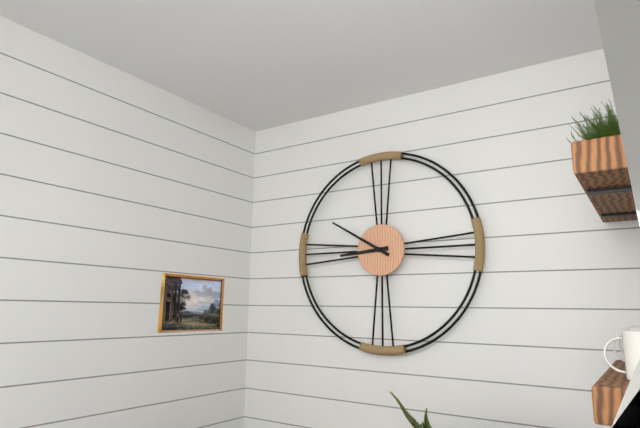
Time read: **8:50**
